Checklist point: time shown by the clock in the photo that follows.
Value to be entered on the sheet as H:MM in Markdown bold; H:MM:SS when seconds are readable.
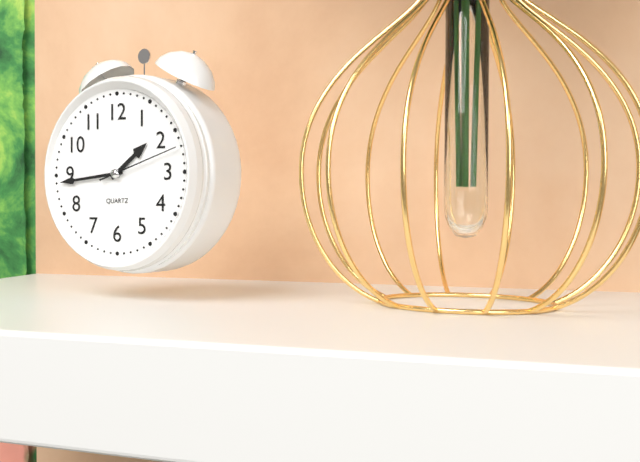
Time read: **1:44:12**
